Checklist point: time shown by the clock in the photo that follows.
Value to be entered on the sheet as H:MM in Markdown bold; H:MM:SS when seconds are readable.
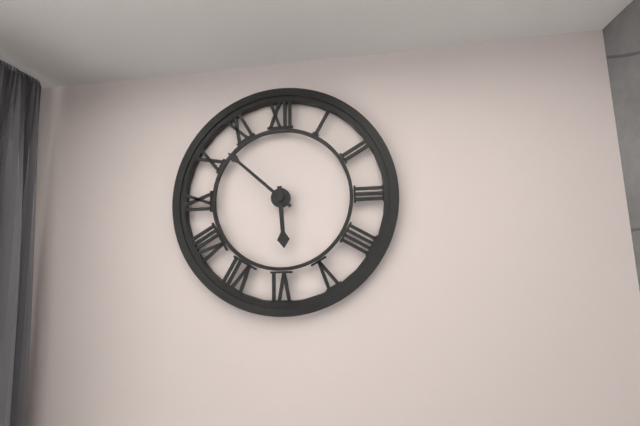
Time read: **5:52**
